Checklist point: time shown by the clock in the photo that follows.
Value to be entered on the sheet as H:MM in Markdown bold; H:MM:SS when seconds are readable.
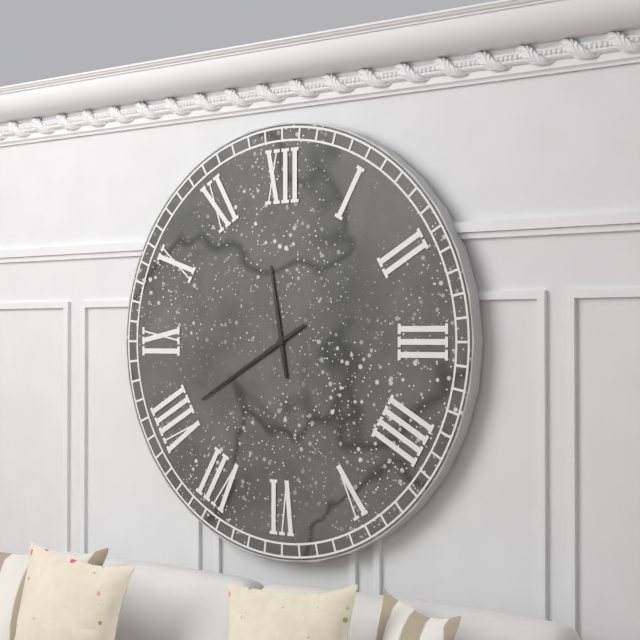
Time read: **11:40**
